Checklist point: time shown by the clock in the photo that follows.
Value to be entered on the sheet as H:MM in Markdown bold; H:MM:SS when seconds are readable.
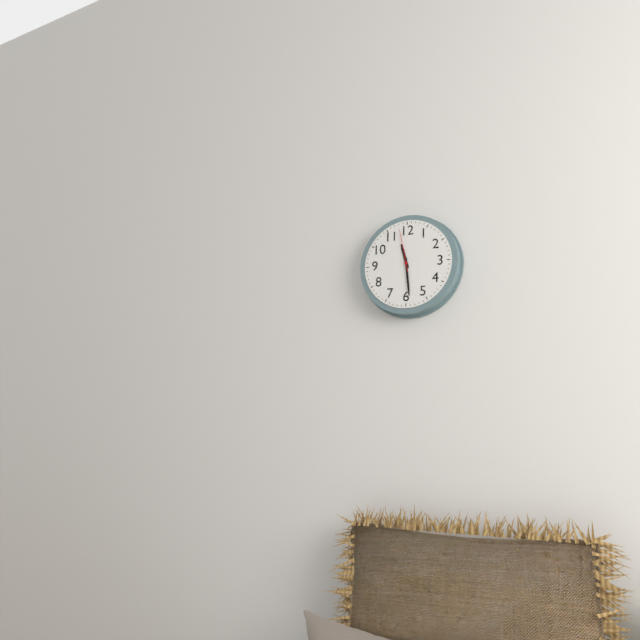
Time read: **11:29**
